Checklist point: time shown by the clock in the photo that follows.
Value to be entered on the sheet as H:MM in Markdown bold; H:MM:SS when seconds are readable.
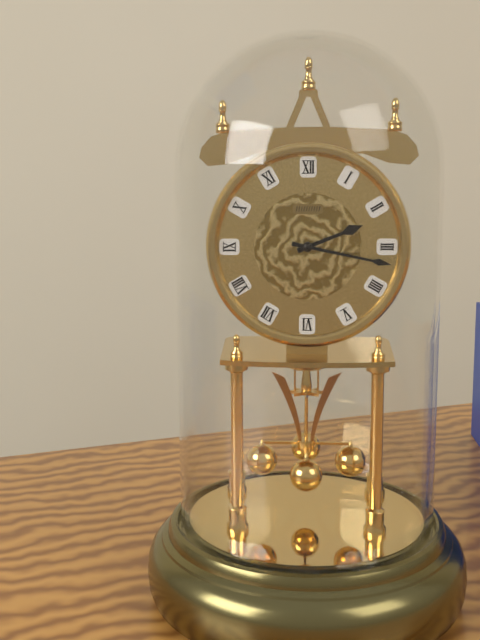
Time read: **2:17**
